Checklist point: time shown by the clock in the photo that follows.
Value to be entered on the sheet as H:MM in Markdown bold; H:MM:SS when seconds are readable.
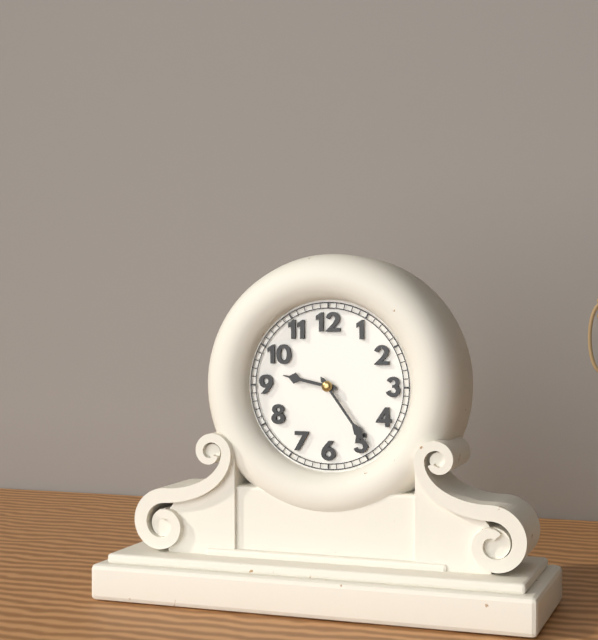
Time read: **9:24**
